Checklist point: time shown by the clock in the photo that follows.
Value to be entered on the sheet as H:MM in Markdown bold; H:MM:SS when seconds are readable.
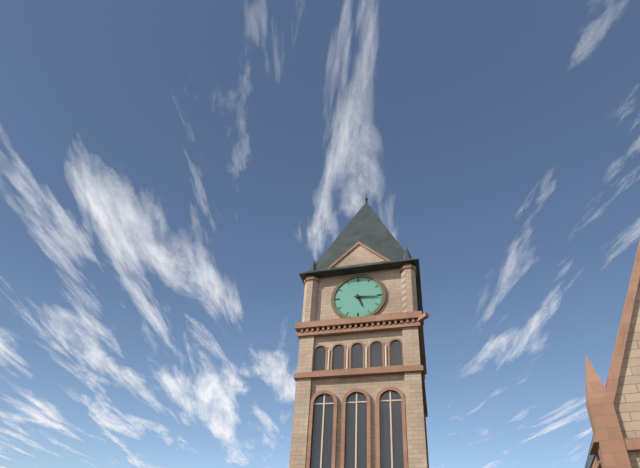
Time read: **5:16**
